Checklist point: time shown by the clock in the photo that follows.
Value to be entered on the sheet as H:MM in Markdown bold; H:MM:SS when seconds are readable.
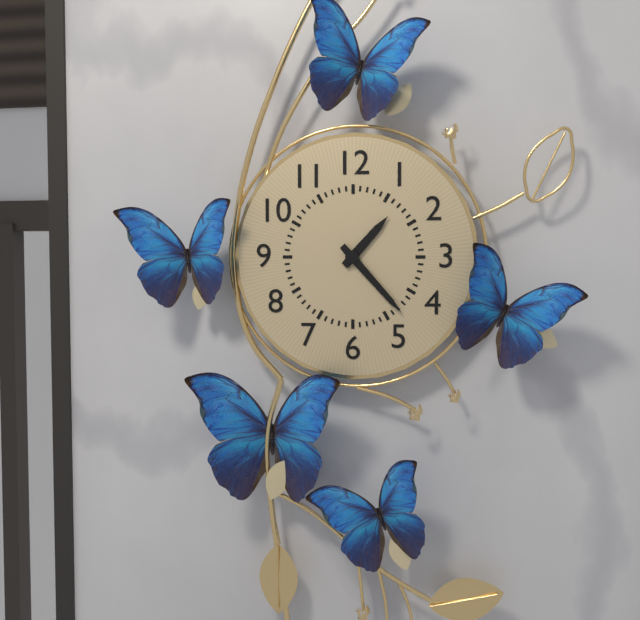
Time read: **1:23**
